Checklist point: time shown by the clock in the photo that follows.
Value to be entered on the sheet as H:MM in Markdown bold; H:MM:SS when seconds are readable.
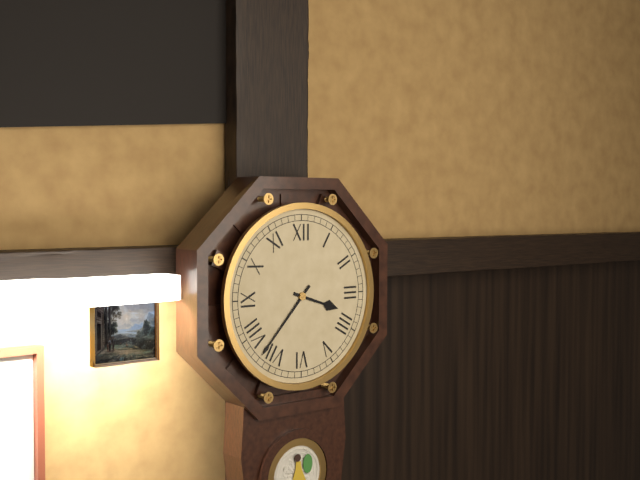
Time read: **3:37**
